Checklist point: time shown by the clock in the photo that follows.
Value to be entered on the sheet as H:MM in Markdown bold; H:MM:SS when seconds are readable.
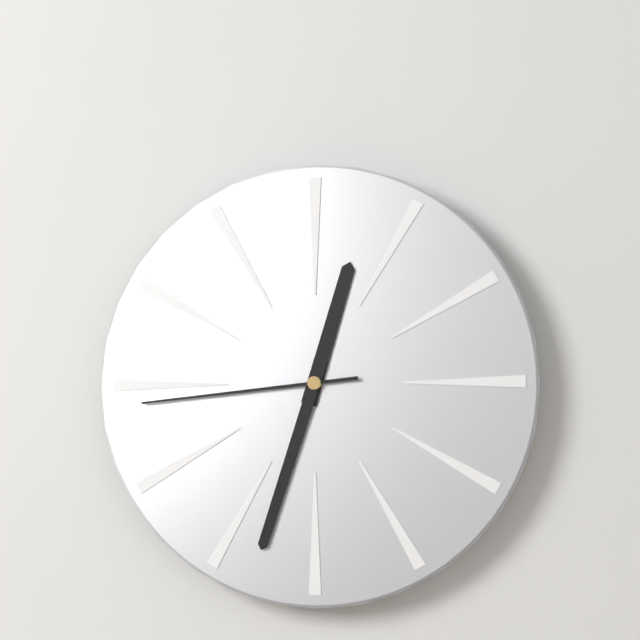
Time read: **12:33:44**
